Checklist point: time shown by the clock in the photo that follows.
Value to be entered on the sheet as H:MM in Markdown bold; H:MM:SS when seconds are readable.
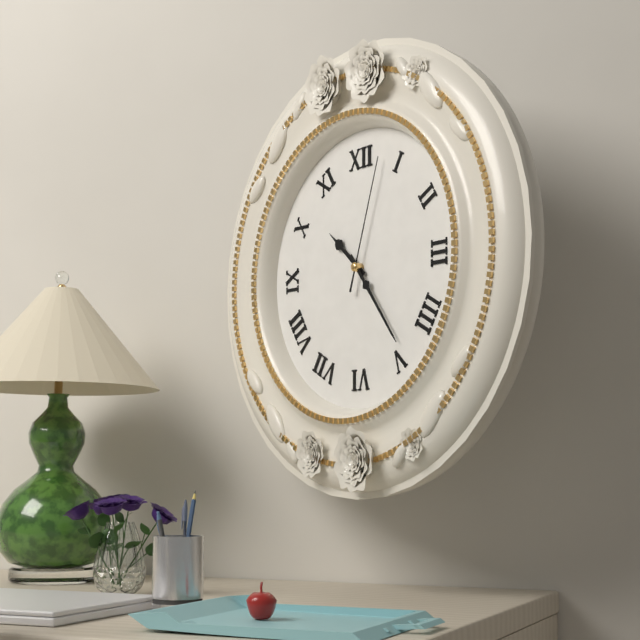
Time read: **10:24:03**
